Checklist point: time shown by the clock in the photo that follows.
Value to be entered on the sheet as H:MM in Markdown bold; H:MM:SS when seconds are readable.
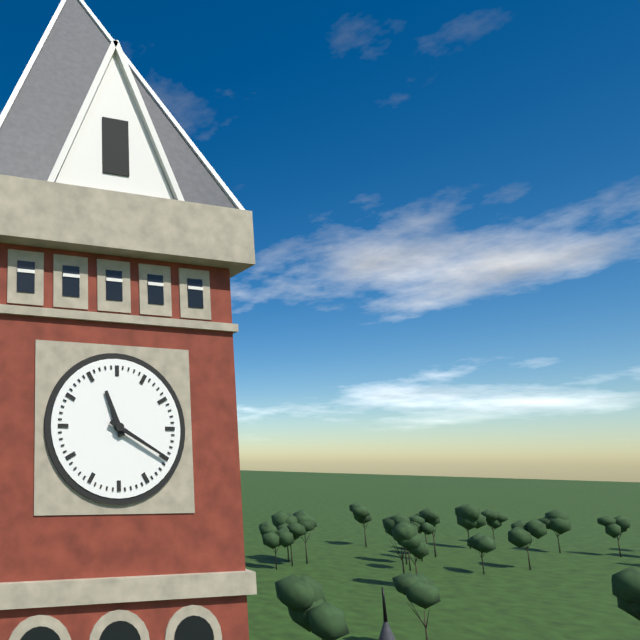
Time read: **11:20**
